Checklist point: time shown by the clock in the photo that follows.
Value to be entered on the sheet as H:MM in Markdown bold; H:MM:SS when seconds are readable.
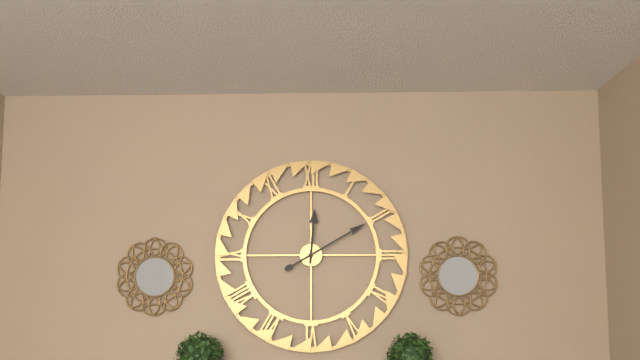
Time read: **12:10**
